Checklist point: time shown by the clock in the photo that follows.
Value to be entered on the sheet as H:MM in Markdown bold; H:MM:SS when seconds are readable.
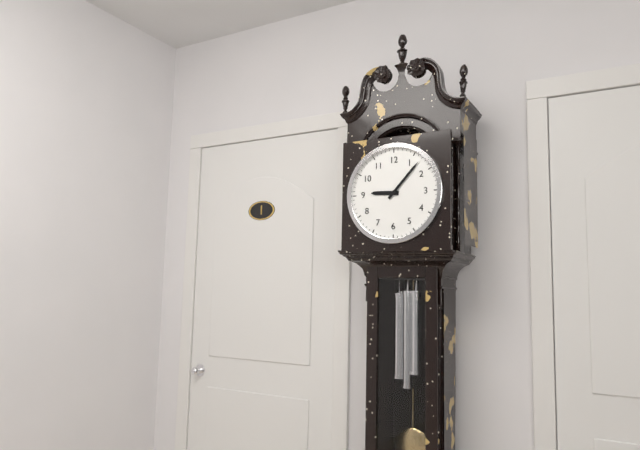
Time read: **9:07**
